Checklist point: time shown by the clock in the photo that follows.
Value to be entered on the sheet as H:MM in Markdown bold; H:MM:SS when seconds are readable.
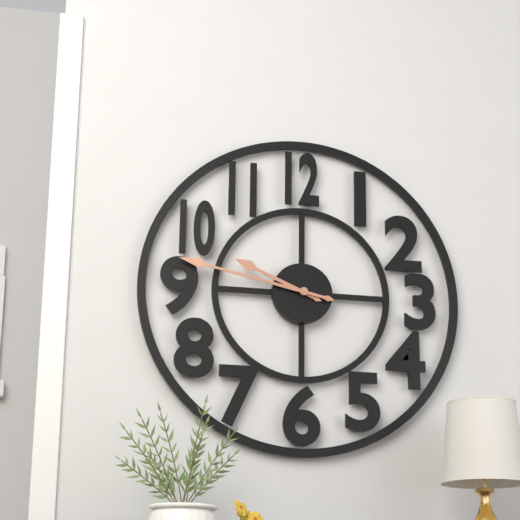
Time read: **9:47**
